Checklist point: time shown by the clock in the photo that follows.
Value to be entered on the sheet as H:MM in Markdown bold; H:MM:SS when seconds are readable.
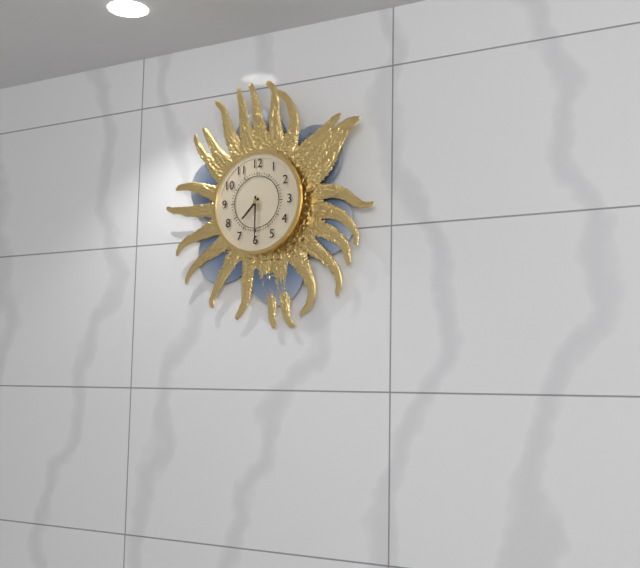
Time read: **7:30**
